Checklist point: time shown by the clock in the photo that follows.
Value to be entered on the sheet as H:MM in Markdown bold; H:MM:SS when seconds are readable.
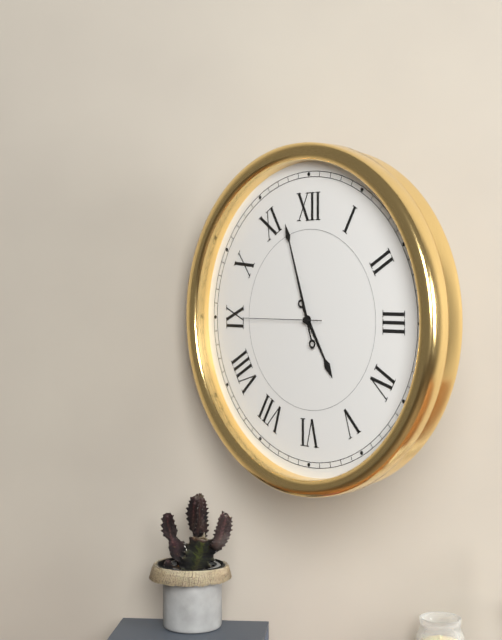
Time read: **4:57:45**
